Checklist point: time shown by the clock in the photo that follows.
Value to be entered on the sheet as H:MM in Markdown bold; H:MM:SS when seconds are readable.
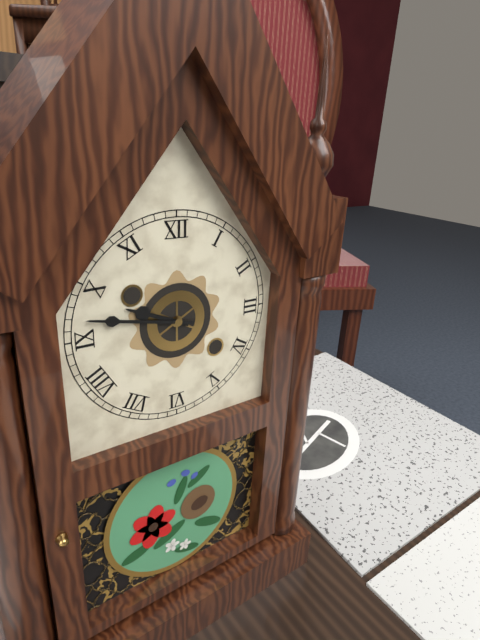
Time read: **9:47**
